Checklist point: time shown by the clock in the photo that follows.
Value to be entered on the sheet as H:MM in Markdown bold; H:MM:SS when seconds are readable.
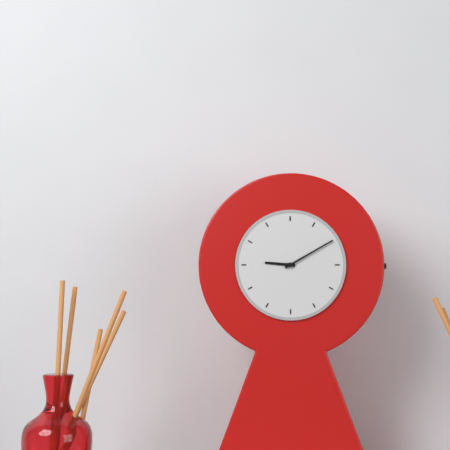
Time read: **9:10**
